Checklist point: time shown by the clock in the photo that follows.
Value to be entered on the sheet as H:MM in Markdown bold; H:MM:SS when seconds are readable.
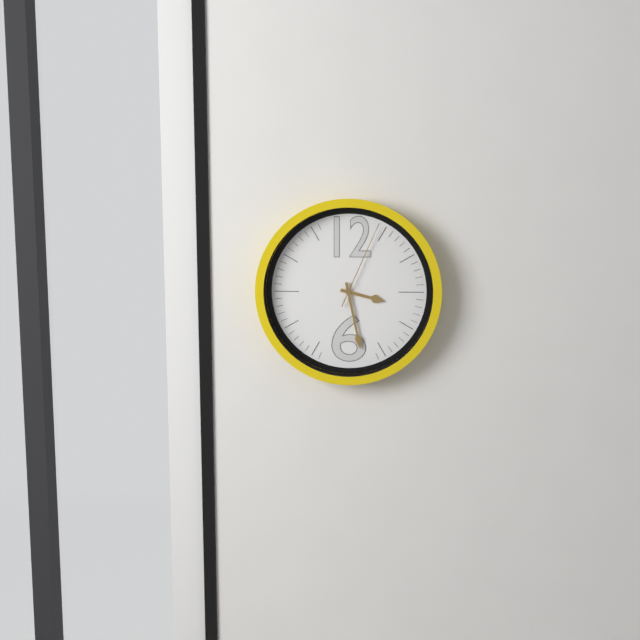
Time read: **3:28:04**
